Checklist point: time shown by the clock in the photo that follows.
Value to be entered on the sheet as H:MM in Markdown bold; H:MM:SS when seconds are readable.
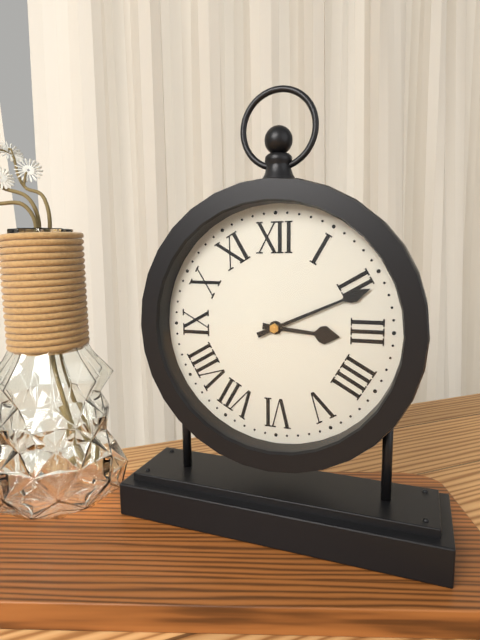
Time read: **3:11**
